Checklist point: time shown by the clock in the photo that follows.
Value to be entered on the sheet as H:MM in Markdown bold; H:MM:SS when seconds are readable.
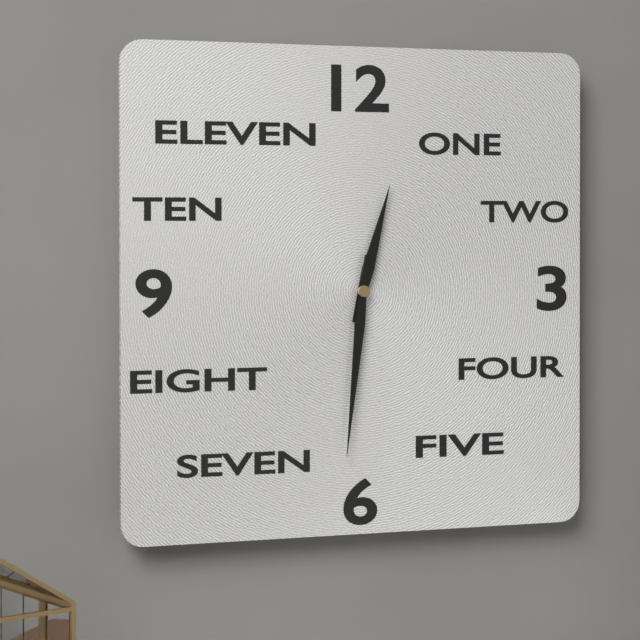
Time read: **12:31**
